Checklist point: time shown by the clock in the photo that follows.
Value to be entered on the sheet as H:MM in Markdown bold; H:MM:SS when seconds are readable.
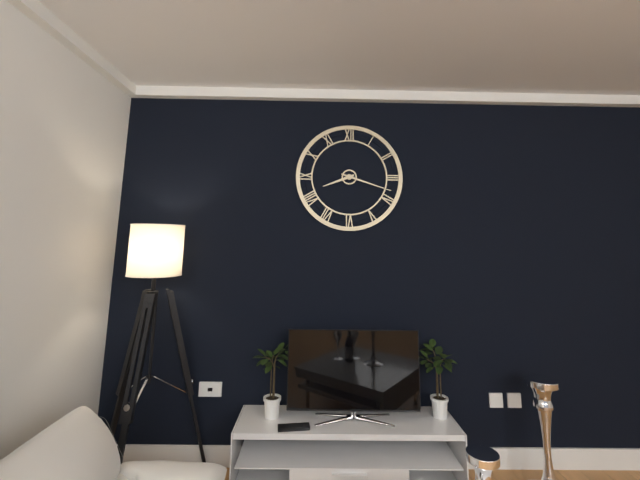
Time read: **8:18**
